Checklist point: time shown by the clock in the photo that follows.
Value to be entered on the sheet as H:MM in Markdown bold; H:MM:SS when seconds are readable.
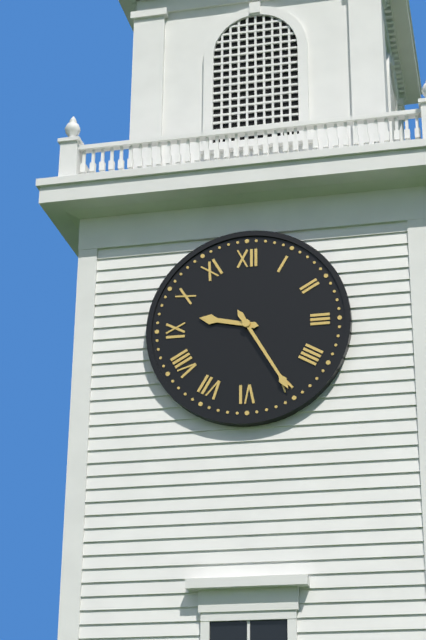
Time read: **9:25**
